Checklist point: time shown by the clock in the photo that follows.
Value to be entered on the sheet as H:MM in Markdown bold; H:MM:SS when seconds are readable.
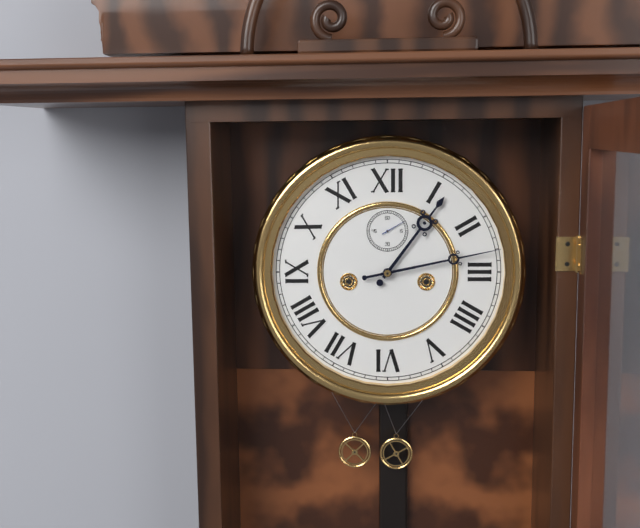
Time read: **1:13**
